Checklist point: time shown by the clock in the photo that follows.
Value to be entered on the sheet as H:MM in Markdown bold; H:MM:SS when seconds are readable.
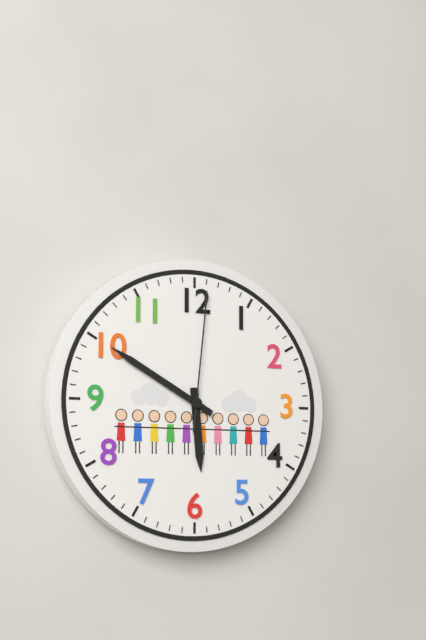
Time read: **5:50:01**
